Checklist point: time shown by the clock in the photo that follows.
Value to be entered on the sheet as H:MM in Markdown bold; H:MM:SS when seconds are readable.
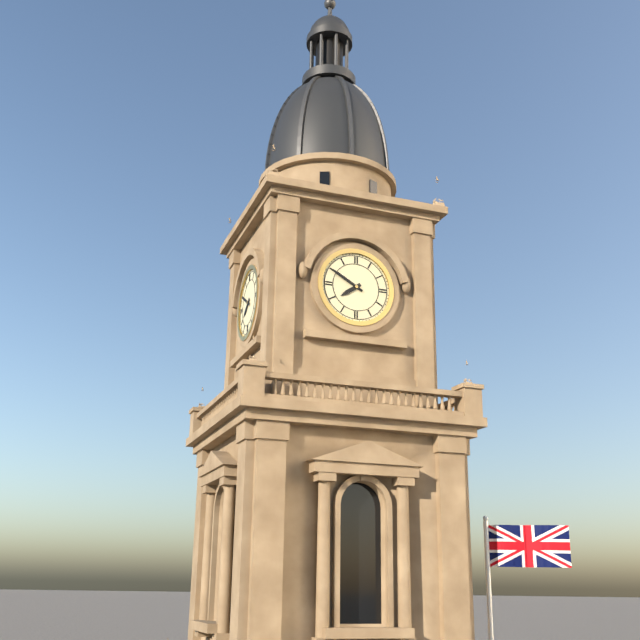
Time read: **7:50**
